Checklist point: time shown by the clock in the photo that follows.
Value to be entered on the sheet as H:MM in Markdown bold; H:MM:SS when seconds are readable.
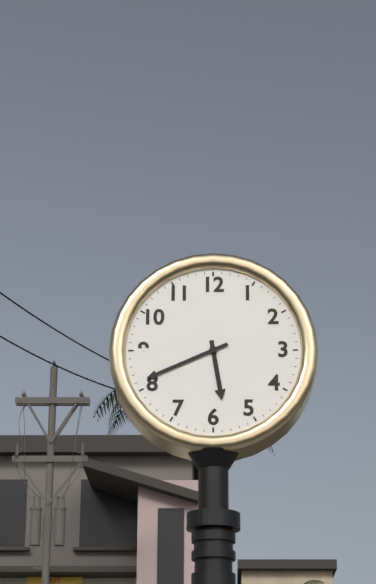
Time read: **5:41**
